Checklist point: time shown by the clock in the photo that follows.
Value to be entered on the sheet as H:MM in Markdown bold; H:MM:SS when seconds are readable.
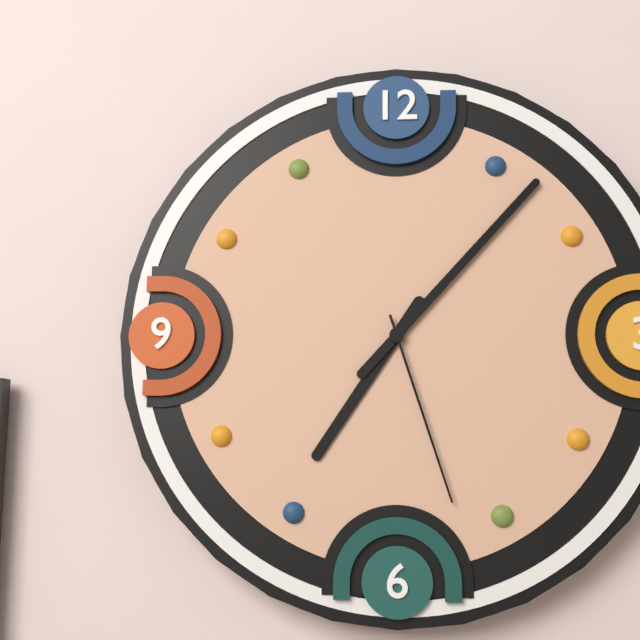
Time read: **7:07:27**
